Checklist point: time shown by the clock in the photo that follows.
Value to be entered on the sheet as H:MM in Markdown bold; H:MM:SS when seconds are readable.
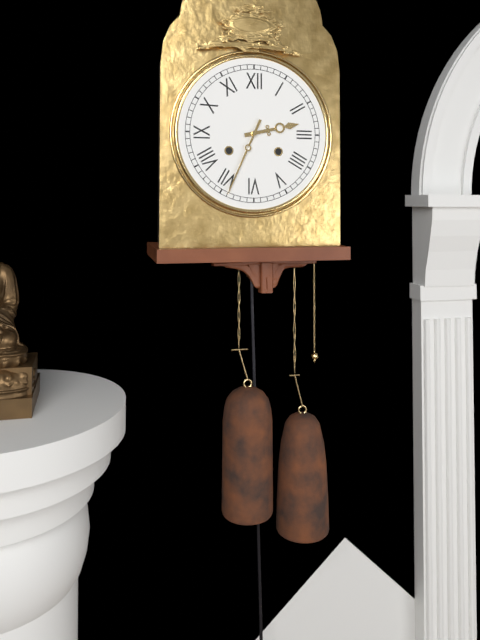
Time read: **2:34**
